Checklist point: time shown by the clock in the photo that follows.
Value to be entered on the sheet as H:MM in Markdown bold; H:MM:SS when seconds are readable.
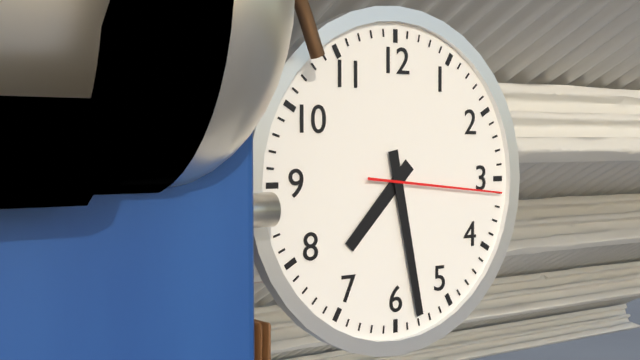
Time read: **7:28:16**
